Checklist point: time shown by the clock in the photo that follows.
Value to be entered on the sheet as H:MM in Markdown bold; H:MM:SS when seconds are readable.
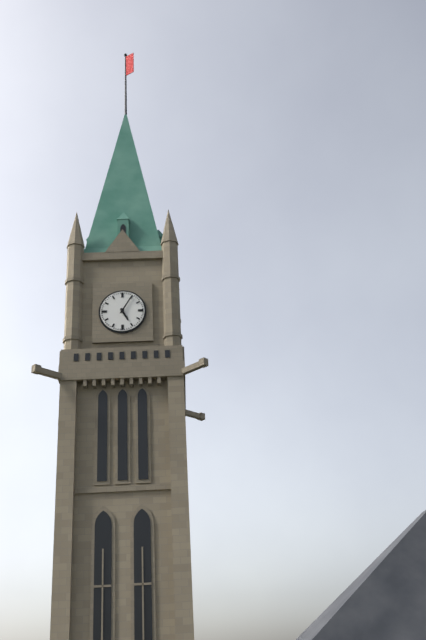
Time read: **5:05**
